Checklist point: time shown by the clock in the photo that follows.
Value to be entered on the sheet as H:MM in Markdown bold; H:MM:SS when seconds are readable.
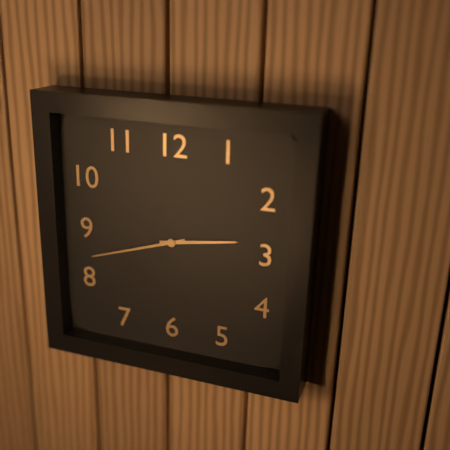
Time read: **2:42**
